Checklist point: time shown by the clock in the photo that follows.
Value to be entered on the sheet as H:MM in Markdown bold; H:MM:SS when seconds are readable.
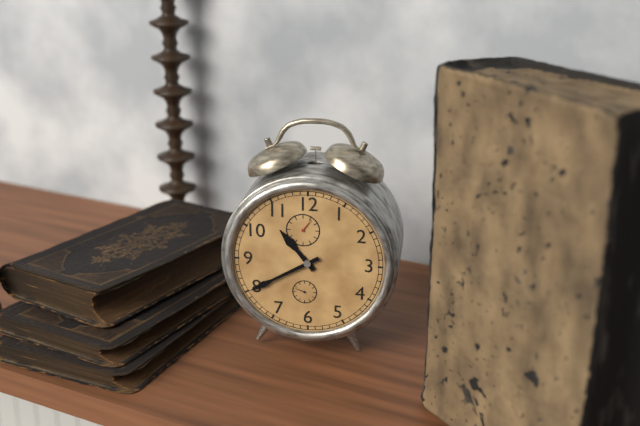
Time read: **10:40**
